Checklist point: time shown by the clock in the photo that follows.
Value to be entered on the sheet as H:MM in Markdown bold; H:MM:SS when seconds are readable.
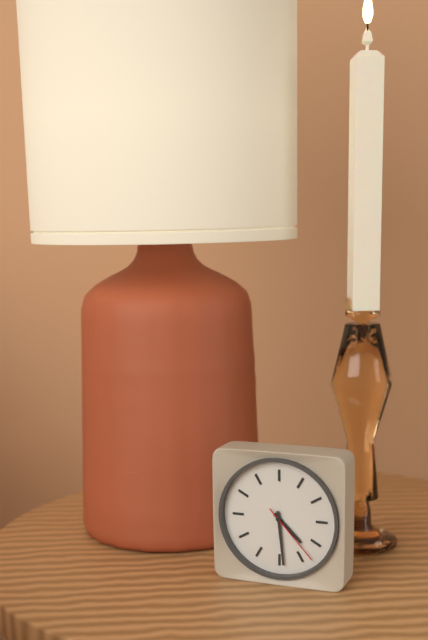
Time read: **4:29:23**
